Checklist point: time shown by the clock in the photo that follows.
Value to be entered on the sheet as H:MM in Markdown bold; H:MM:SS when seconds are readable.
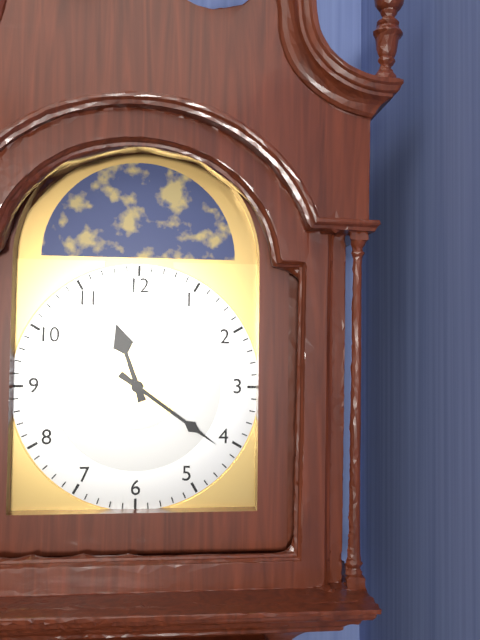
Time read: **11:21**
